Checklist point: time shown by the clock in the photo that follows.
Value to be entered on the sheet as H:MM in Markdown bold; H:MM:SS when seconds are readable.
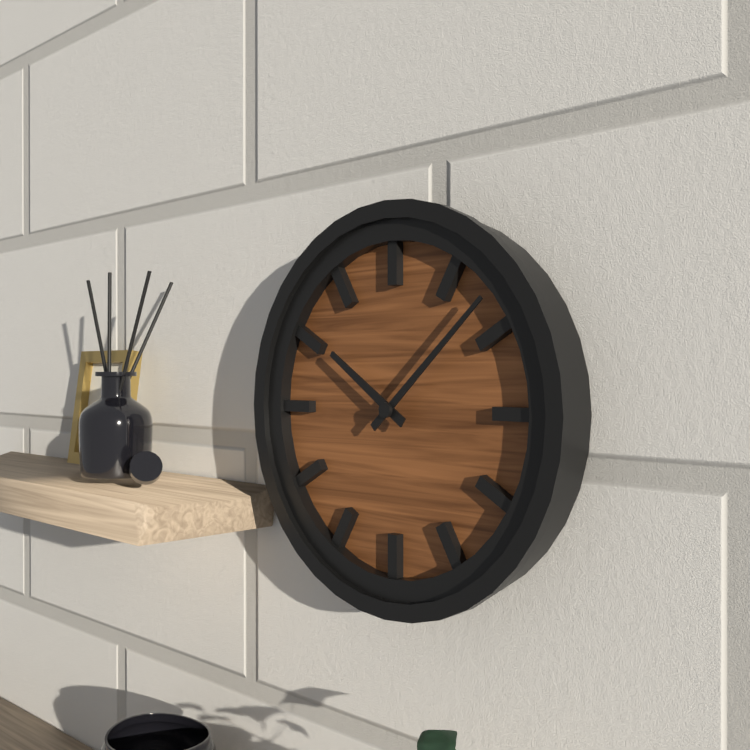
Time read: **10:08**
